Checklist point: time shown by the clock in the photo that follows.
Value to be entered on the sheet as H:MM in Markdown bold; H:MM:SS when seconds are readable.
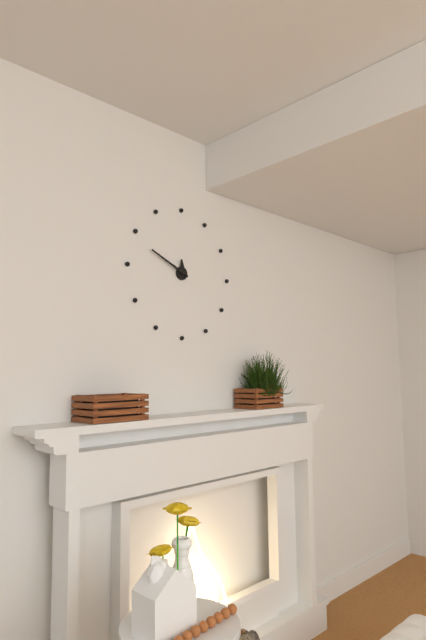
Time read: **11:49**
